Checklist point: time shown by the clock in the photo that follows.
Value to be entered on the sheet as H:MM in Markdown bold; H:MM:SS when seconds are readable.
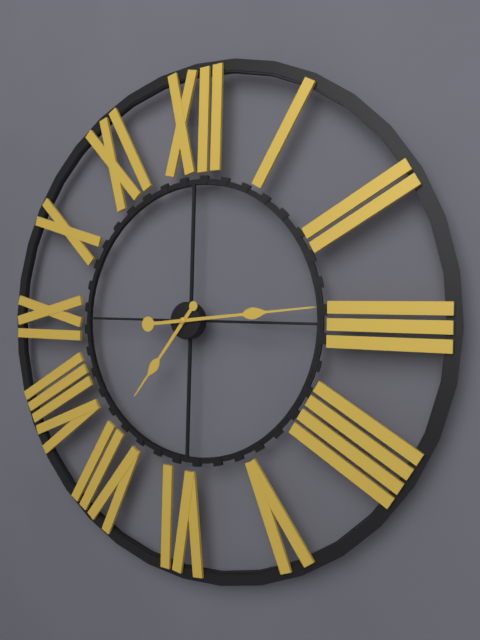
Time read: **7:14**
